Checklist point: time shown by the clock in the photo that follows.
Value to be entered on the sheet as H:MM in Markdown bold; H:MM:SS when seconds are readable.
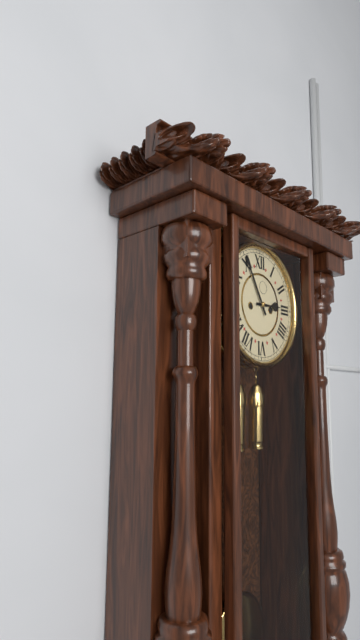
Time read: **2:55**
